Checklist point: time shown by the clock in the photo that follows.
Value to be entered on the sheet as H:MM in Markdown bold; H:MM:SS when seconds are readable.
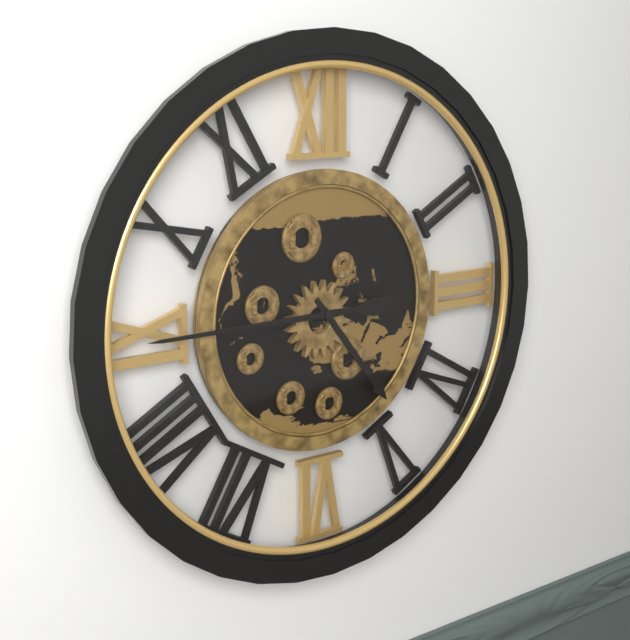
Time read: **4:45**
